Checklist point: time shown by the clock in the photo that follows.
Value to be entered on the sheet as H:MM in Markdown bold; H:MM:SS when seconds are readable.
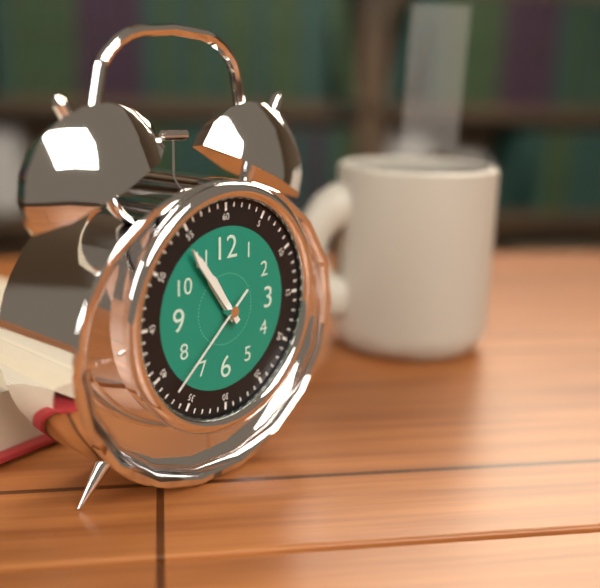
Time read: **10:54:38**
